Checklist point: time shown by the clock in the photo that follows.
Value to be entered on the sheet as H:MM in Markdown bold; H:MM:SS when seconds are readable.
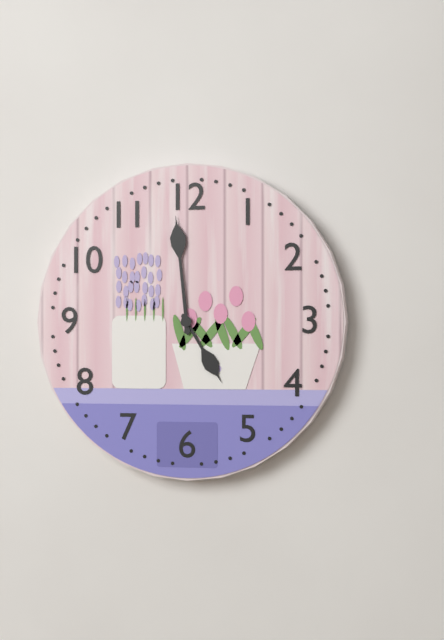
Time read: **4:59**
